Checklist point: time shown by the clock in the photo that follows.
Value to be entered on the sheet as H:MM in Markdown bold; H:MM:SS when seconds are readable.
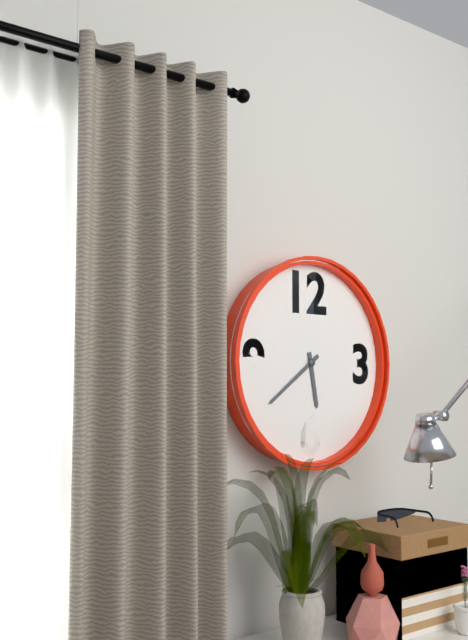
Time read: **5:39**
